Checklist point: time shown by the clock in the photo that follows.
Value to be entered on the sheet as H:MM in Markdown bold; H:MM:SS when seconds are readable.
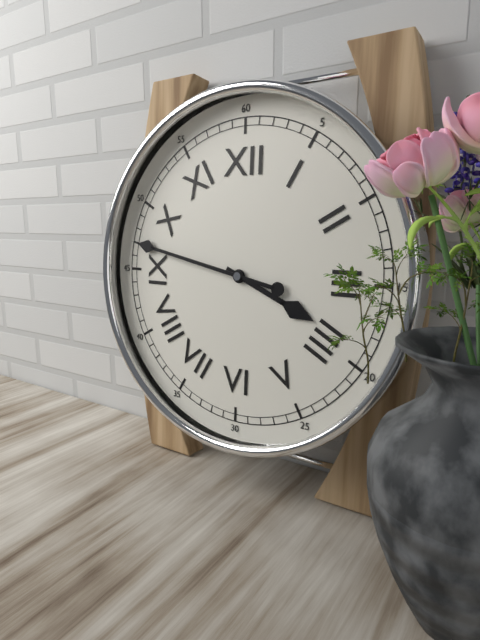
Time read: **3:47**
